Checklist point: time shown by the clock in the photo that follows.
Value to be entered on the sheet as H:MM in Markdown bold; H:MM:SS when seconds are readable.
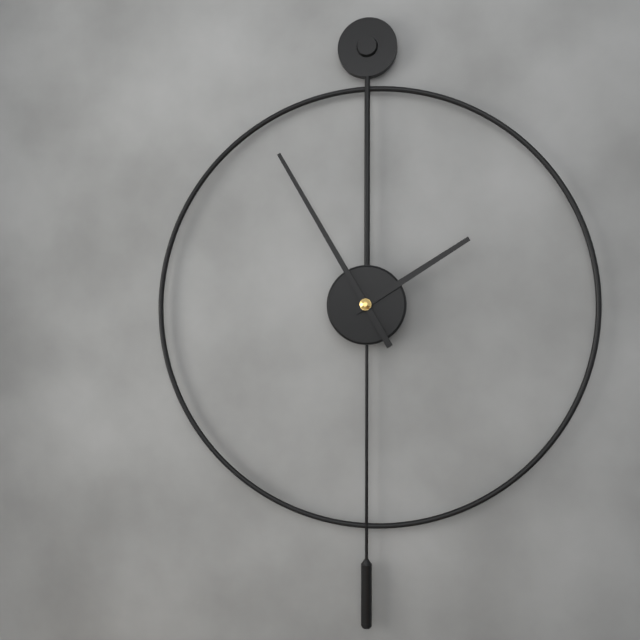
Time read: **1:55**
